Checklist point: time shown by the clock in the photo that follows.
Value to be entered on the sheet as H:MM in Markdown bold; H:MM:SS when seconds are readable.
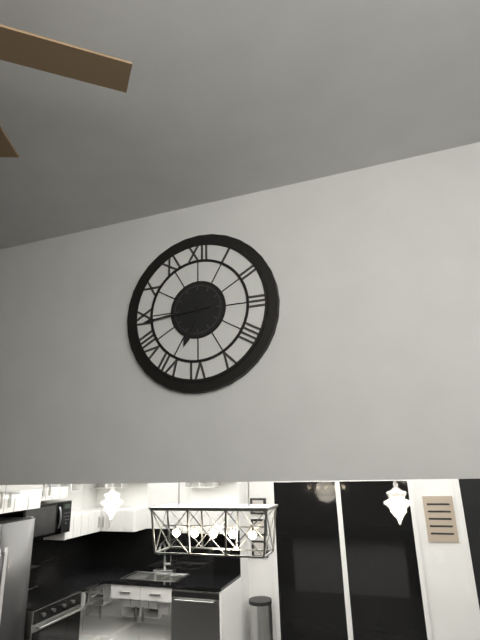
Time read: **6:44**
